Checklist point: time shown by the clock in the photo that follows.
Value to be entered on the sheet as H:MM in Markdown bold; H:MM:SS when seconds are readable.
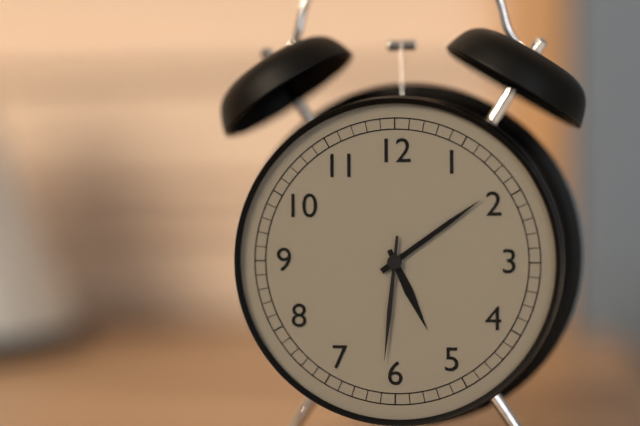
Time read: **5:09:31**
